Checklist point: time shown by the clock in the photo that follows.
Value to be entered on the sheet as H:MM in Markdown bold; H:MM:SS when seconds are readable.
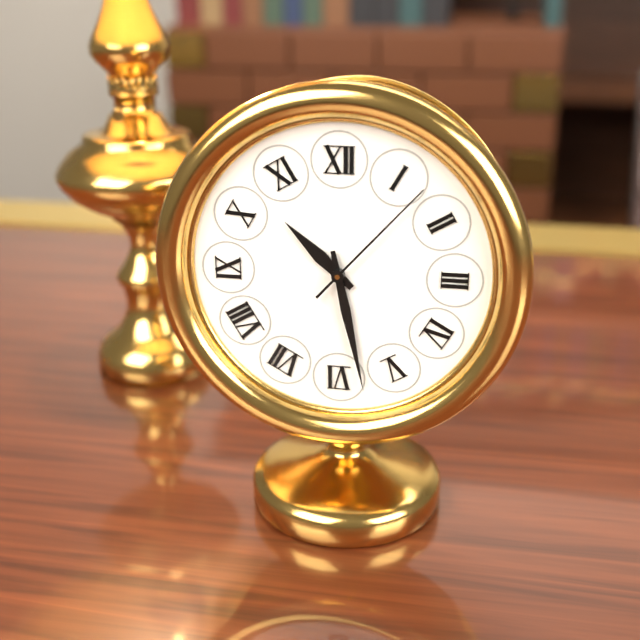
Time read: **10:28:07**
